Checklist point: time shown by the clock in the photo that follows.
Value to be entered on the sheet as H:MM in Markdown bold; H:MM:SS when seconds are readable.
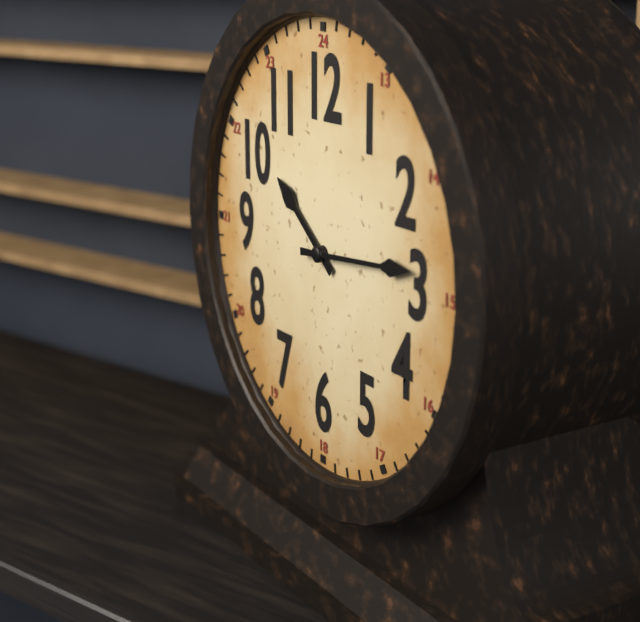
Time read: **10:14**
